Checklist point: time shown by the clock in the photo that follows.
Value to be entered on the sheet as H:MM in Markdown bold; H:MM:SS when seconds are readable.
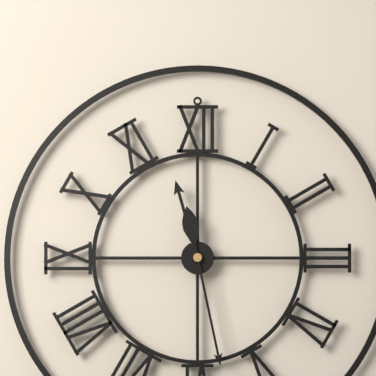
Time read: **11:28**
